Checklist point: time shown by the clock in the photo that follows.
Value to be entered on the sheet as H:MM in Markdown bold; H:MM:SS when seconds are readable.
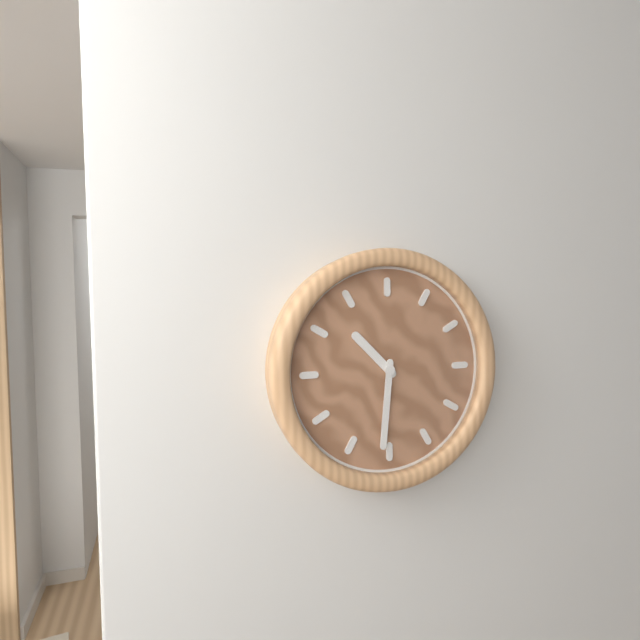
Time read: **10:31**
